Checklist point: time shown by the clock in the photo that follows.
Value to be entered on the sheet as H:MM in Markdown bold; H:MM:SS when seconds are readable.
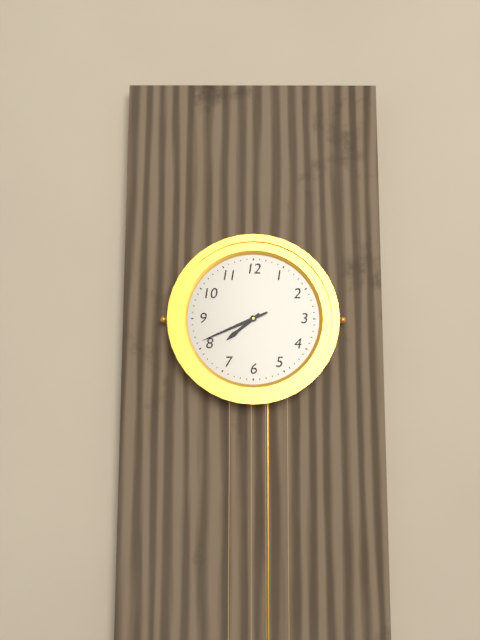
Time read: **7:41**
